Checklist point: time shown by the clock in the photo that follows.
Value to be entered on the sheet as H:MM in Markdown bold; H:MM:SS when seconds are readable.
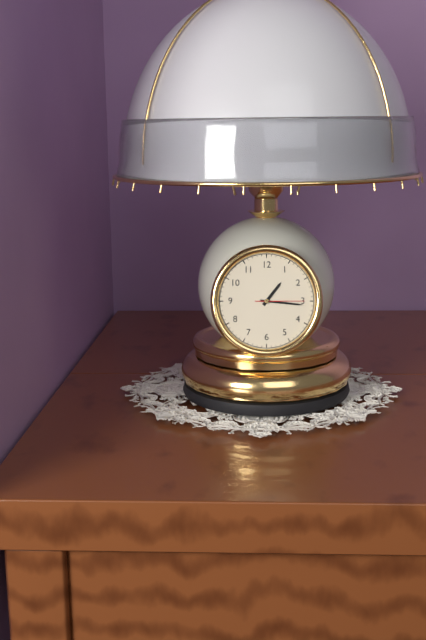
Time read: **1:16:15**
